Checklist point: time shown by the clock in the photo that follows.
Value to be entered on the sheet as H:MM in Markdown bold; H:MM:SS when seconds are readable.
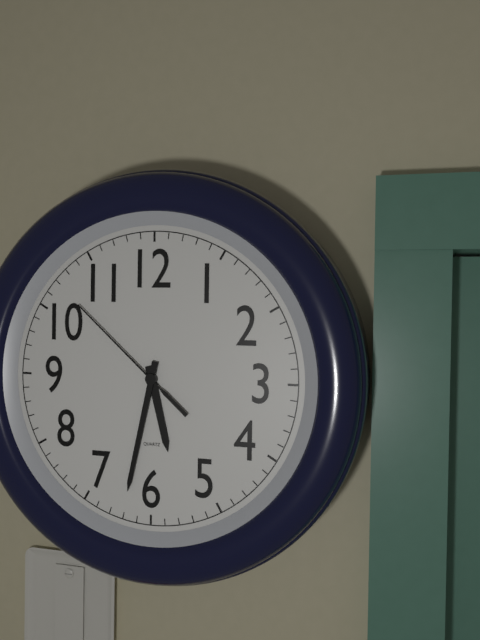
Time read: **5:32:52**
